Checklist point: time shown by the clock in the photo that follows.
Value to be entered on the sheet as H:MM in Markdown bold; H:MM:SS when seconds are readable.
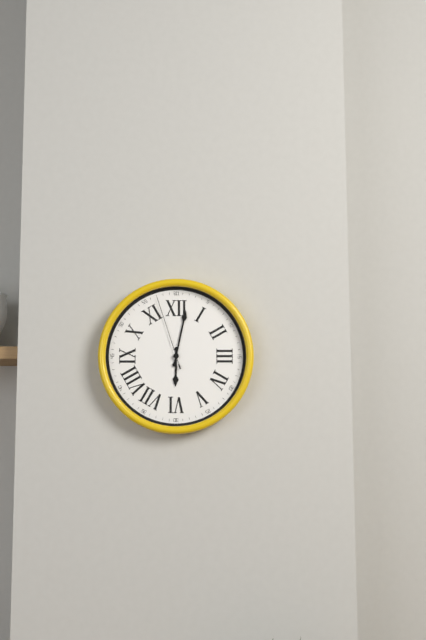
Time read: **6:02:57**
